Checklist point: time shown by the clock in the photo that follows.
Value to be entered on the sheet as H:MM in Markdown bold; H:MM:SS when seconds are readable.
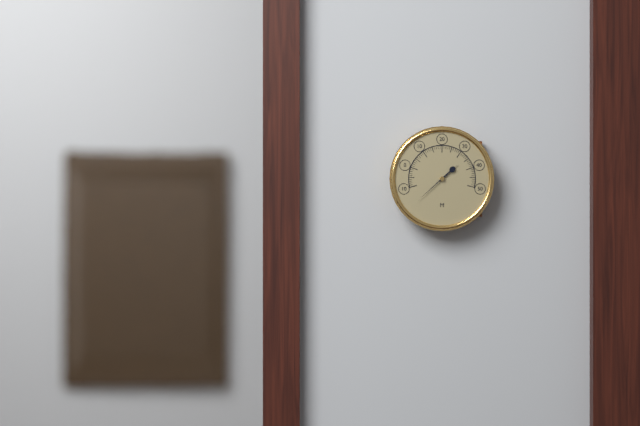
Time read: **1:38**
